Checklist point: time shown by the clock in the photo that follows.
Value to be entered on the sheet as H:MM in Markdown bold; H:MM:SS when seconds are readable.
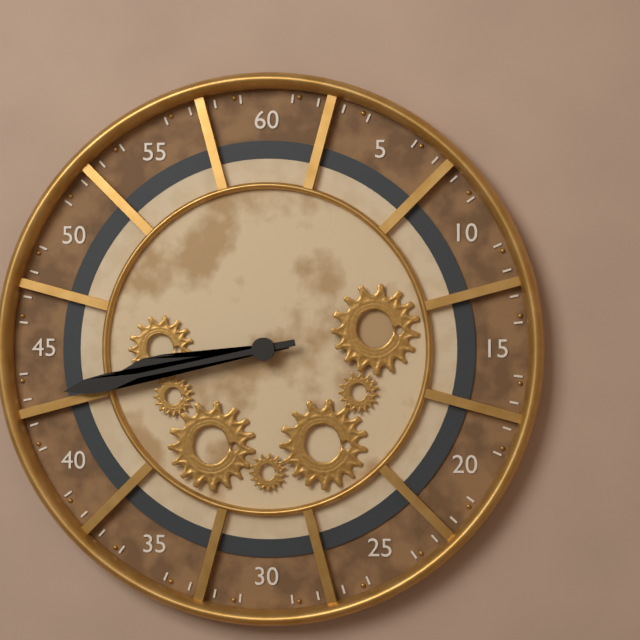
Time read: **8:43**
